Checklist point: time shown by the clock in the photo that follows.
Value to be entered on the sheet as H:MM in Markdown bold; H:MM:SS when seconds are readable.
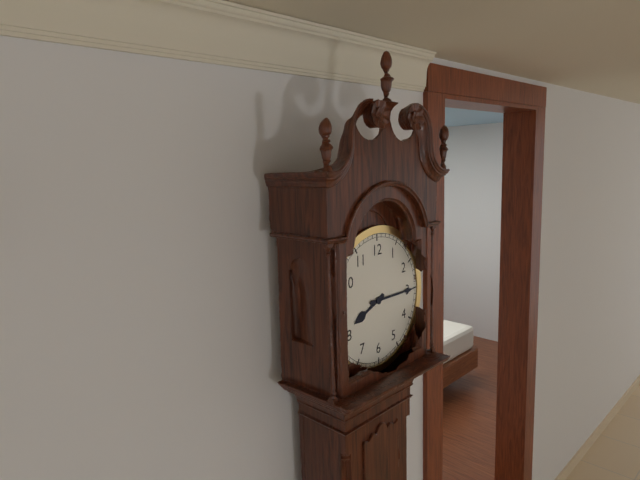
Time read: **8:15**
